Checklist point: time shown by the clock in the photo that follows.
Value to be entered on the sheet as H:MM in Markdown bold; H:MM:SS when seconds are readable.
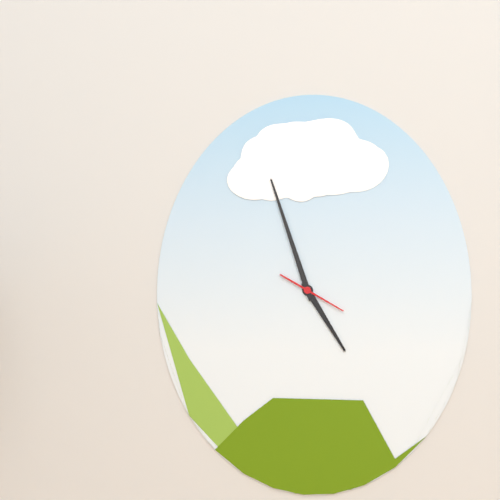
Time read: **4:57:20**
